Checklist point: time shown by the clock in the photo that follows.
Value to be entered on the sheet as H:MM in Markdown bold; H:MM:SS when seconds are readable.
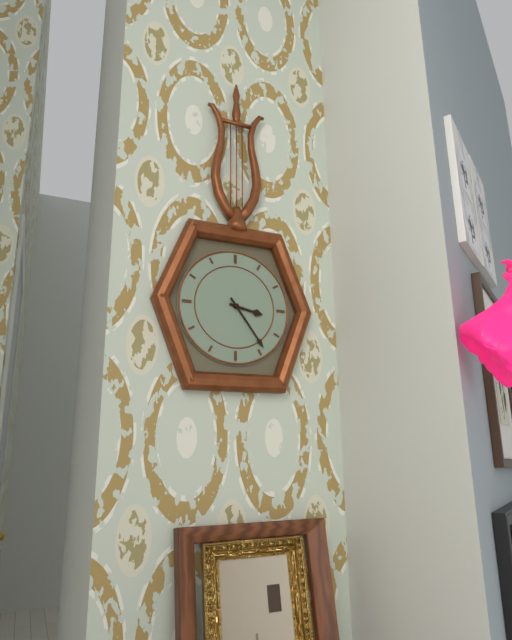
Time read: **3:24**
